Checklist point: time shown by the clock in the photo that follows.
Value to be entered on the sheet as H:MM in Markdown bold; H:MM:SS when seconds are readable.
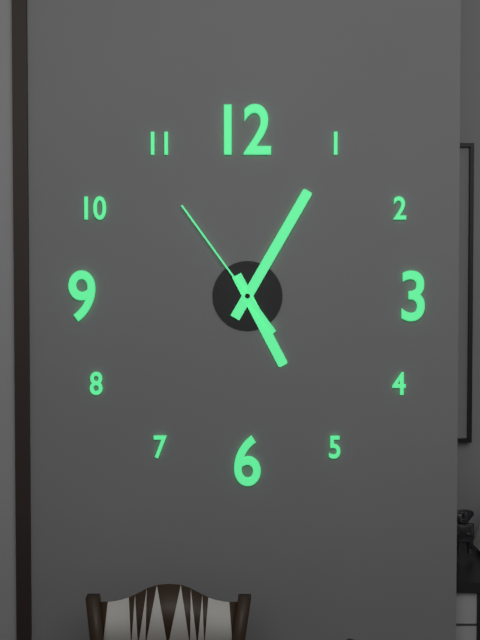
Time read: **5:05:54**
